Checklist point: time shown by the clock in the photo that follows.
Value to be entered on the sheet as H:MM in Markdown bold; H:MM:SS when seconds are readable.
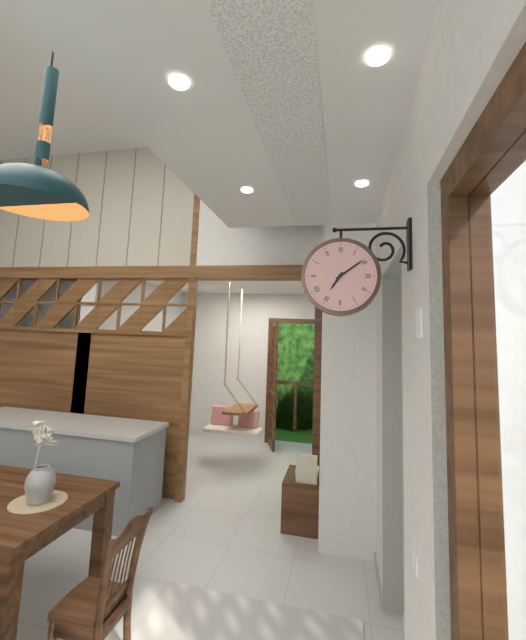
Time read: **7:09**
